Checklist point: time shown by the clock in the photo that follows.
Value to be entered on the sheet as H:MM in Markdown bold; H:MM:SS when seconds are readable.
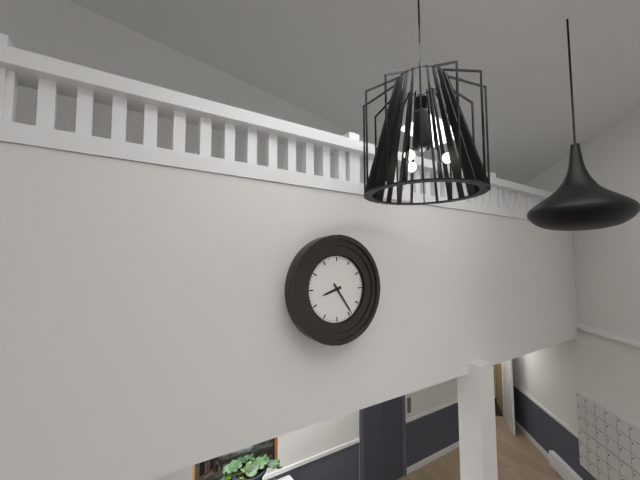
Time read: **8:24**
